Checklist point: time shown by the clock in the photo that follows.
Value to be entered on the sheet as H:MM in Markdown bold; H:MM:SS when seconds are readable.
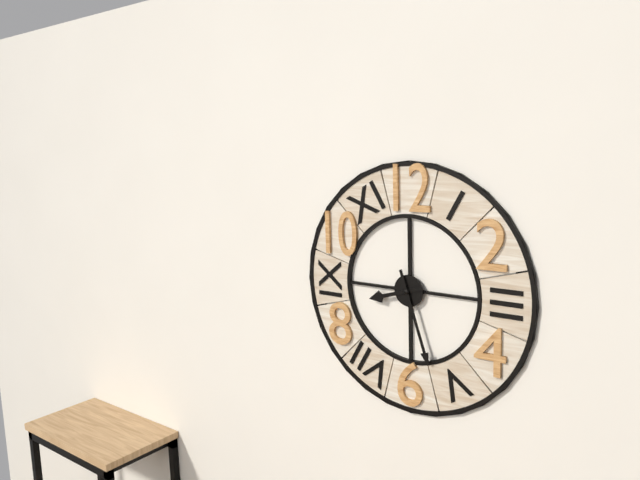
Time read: **8:27**
